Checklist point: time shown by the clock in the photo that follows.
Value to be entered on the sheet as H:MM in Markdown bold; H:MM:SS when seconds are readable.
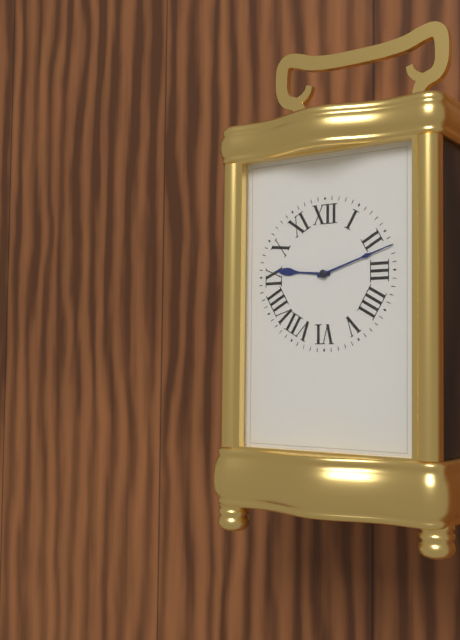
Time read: **9:12**
